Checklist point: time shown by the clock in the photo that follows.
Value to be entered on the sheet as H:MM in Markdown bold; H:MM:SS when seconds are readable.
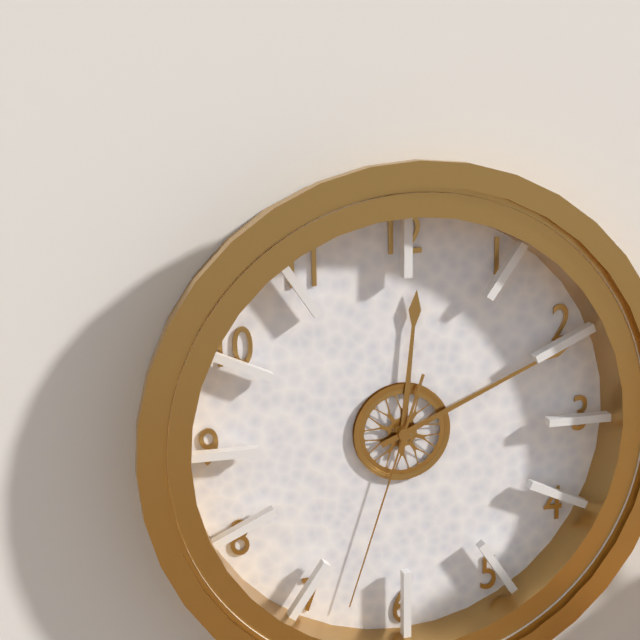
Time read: **12:11:33**
